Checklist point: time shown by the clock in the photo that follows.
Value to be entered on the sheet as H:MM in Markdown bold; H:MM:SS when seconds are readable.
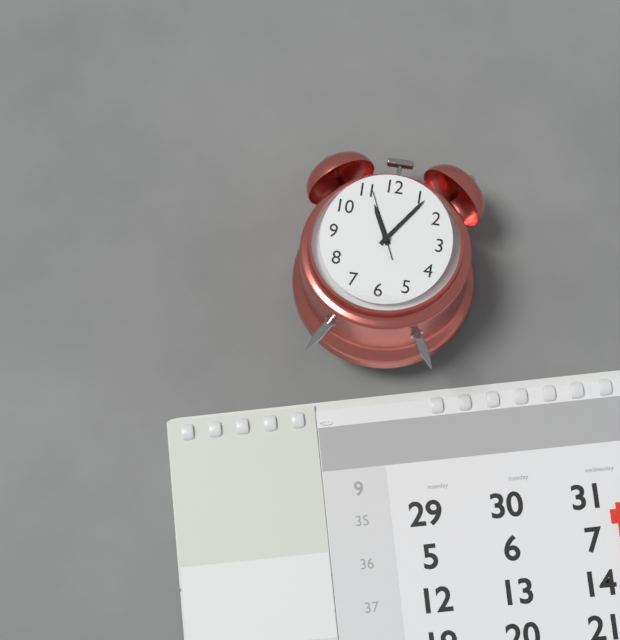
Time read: **11:06:56**
